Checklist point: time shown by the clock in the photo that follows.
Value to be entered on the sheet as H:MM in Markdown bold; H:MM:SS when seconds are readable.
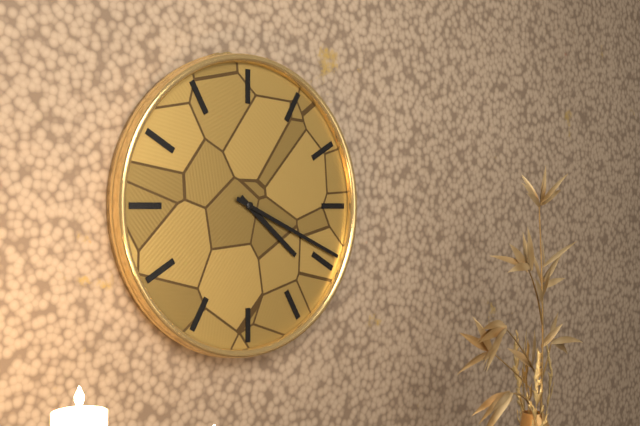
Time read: **4:19**
